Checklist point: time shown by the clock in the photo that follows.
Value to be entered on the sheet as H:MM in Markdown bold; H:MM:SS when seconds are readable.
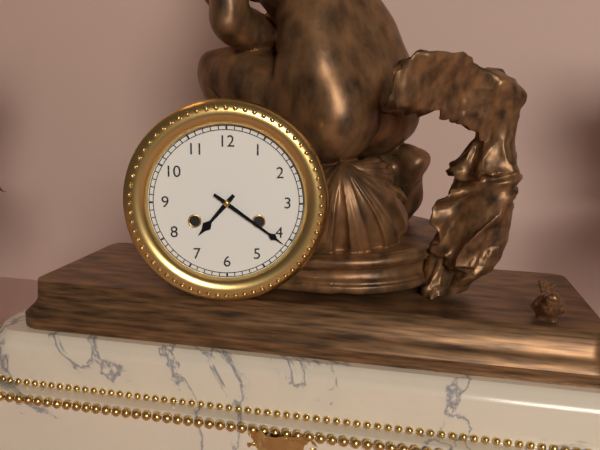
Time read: **7:21**
